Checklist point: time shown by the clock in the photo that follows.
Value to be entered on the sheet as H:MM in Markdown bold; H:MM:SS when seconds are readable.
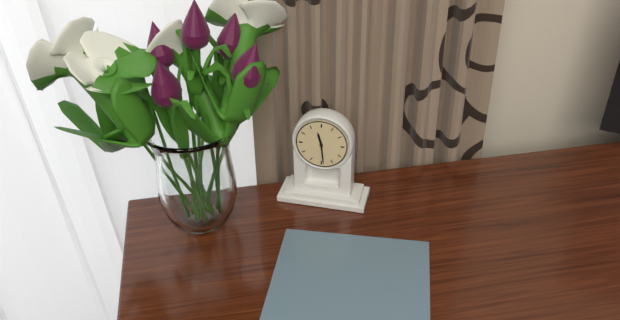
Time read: **11:29**
